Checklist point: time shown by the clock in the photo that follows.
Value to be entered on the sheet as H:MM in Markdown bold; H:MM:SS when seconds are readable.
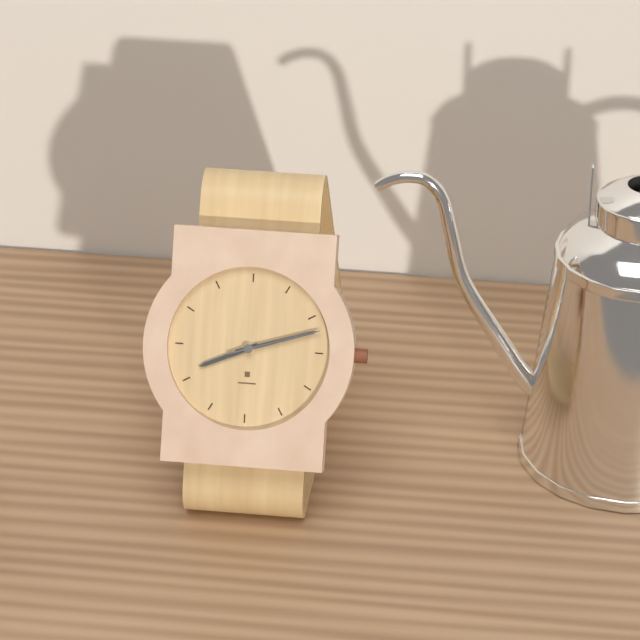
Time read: **8:12:12**
